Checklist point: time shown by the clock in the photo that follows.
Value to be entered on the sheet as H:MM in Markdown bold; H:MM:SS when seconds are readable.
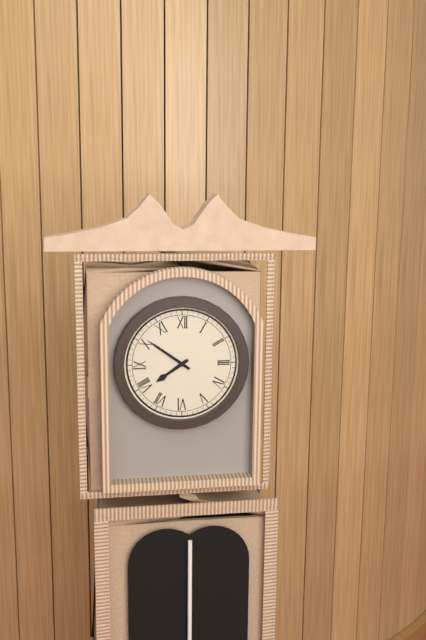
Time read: **7:51**
